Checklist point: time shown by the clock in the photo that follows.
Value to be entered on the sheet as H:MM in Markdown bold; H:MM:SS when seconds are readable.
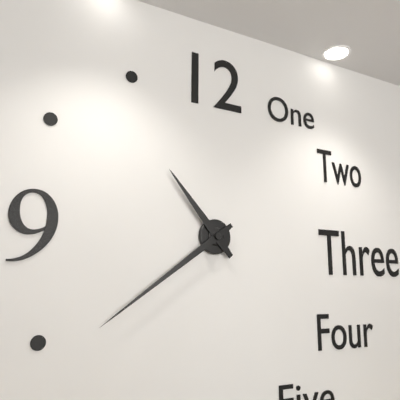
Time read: **10:39**
